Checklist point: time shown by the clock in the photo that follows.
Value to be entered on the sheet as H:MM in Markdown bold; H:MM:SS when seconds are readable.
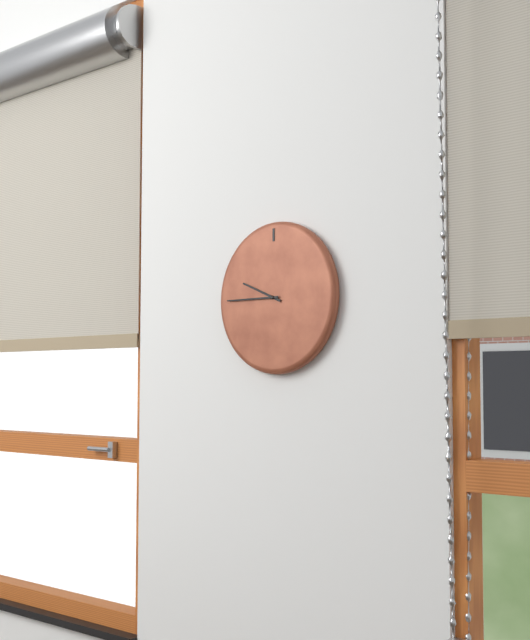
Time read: **9:45**
